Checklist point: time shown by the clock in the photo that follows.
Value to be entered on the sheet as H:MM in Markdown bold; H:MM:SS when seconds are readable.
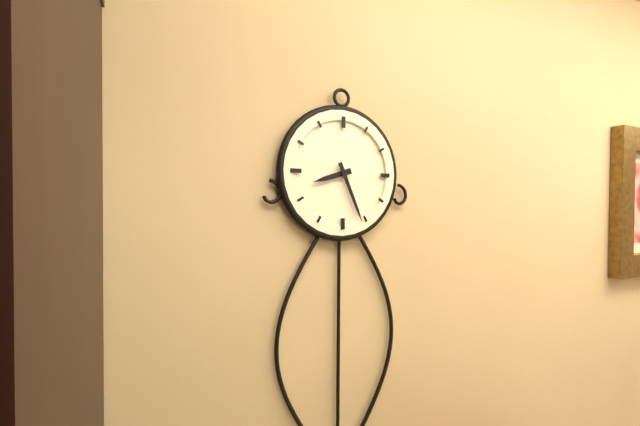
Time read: **8:26**
